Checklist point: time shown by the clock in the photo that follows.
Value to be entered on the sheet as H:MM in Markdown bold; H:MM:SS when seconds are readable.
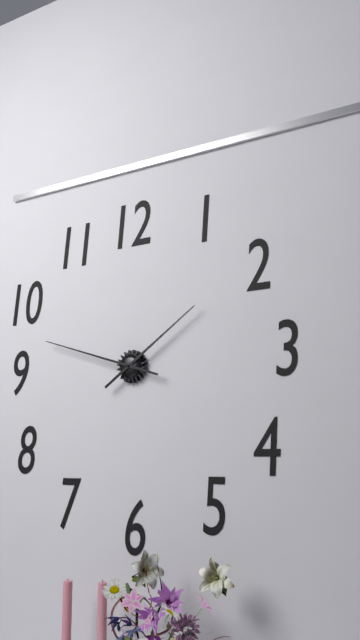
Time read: **1:48**
